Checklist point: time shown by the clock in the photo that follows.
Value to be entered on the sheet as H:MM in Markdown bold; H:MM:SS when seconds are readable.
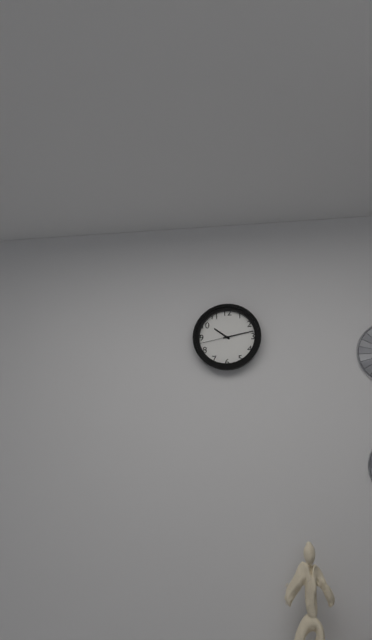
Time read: **10:13**
